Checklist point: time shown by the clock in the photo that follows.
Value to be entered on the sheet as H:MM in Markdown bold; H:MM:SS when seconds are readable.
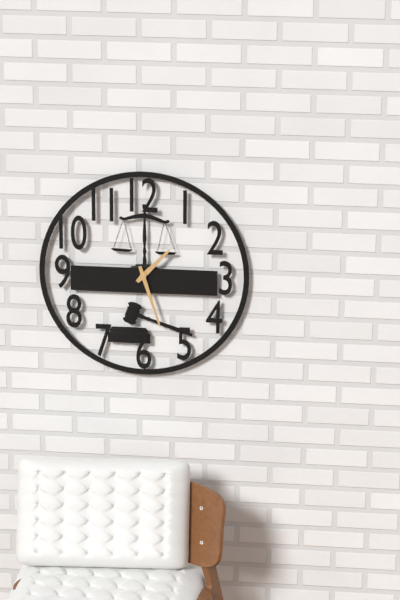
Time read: **1:27**
